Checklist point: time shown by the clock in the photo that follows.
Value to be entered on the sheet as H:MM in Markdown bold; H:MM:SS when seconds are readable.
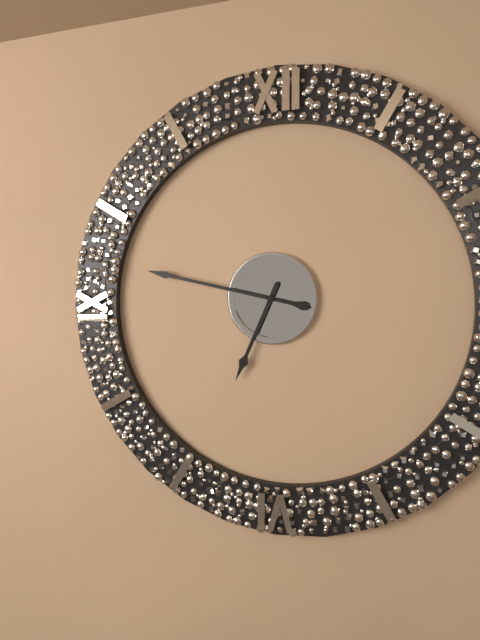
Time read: **6:47**
